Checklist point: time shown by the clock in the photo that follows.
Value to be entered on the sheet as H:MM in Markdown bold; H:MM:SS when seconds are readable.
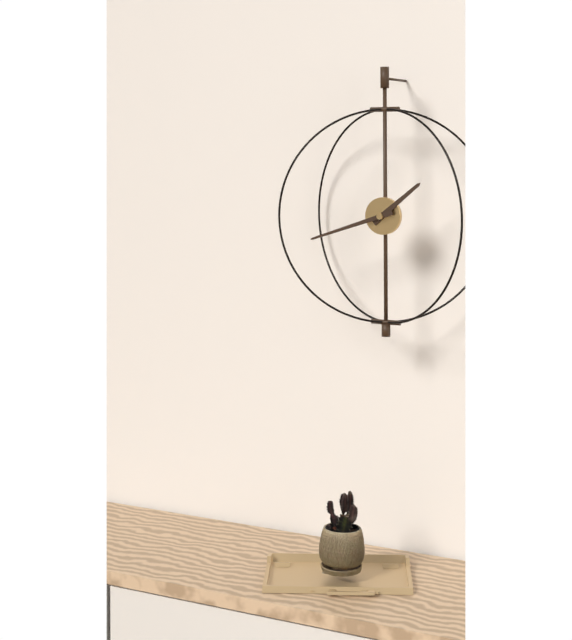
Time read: **1:42**
